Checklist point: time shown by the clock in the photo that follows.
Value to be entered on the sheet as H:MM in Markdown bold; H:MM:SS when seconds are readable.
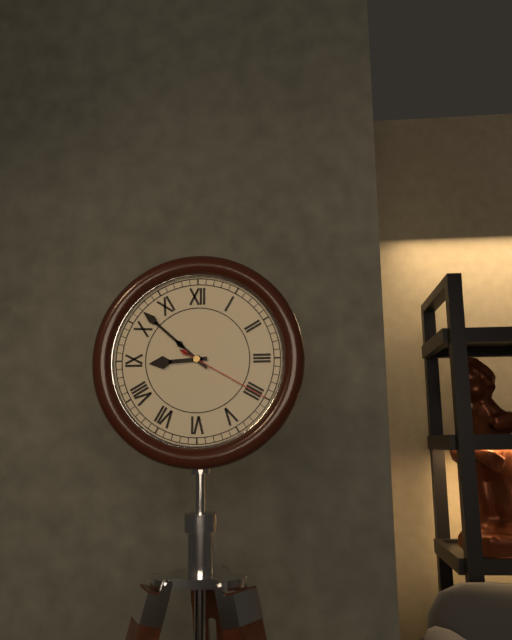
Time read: **8:52:20**
